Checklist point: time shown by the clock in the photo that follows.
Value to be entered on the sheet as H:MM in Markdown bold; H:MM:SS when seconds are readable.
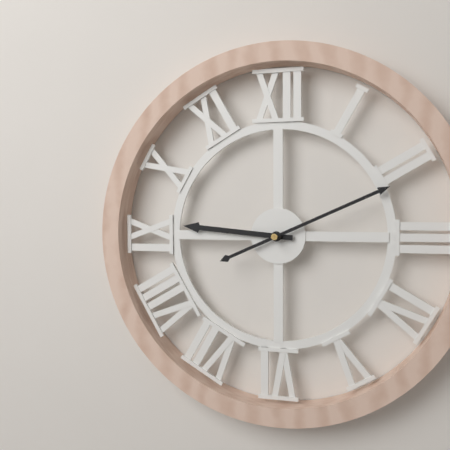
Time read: **9:11**
